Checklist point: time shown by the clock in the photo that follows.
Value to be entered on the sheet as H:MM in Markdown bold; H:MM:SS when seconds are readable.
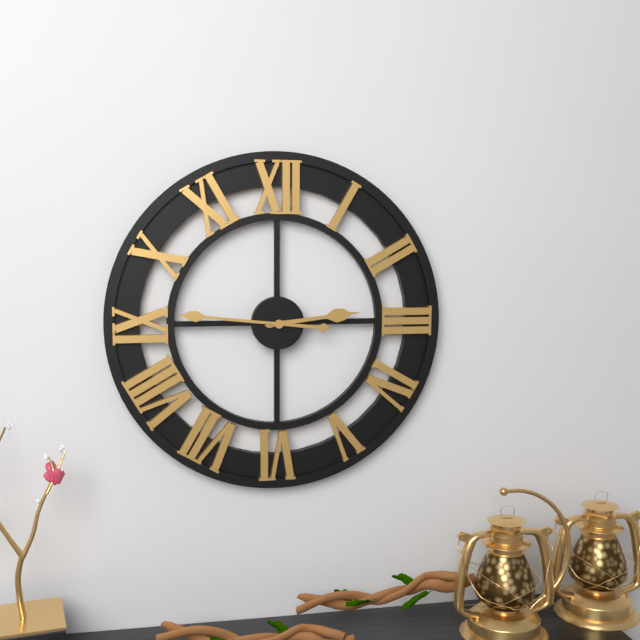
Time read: **2:46**
